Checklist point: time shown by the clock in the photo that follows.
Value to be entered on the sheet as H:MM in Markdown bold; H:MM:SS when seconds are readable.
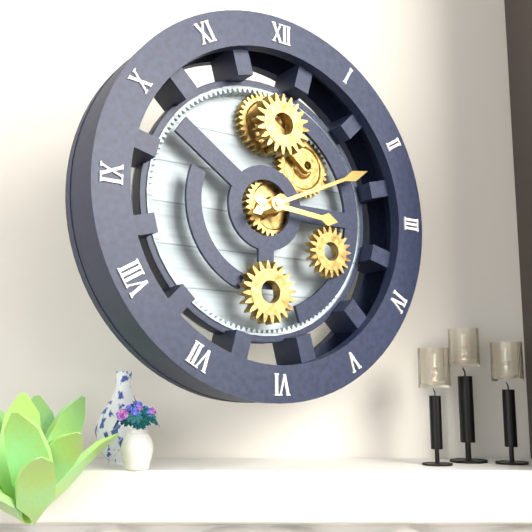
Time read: **3:11**
